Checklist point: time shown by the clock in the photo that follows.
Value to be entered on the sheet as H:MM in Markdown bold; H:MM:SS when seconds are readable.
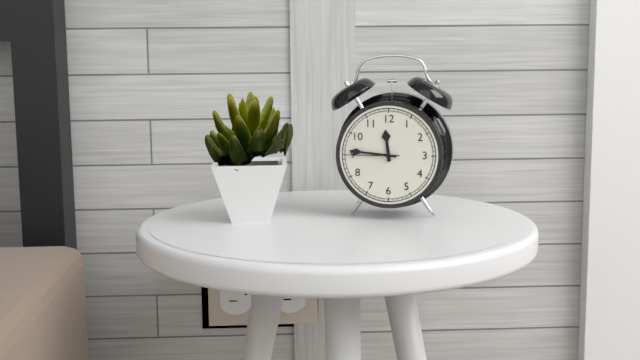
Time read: **11:46:45**
